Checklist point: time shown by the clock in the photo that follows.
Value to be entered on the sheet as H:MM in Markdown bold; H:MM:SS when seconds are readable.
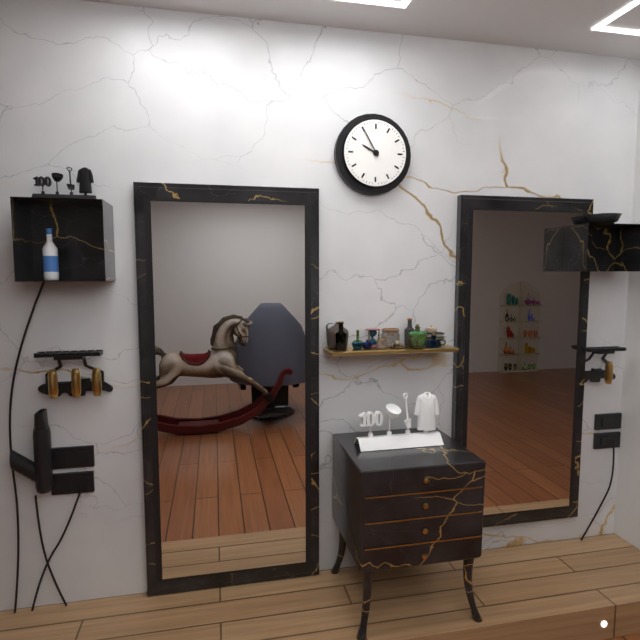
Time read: **9:55**
